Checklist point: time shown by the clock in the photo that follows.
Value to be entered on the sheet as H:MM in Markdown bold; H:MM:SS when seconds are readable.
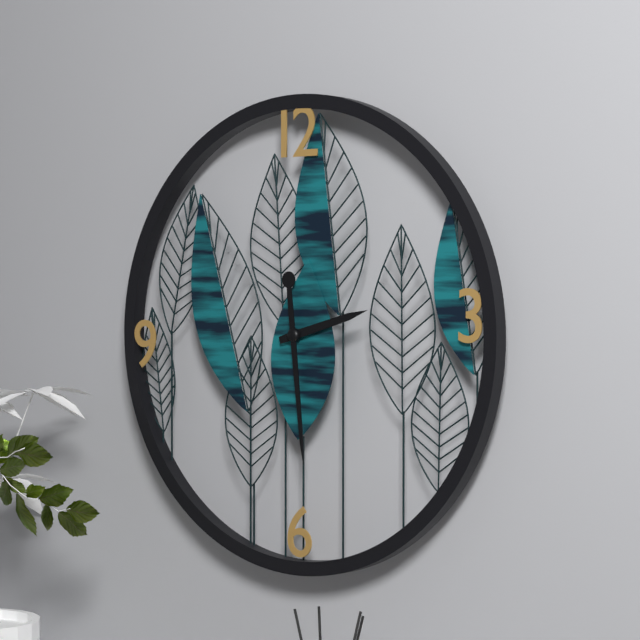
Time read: **2:29**
